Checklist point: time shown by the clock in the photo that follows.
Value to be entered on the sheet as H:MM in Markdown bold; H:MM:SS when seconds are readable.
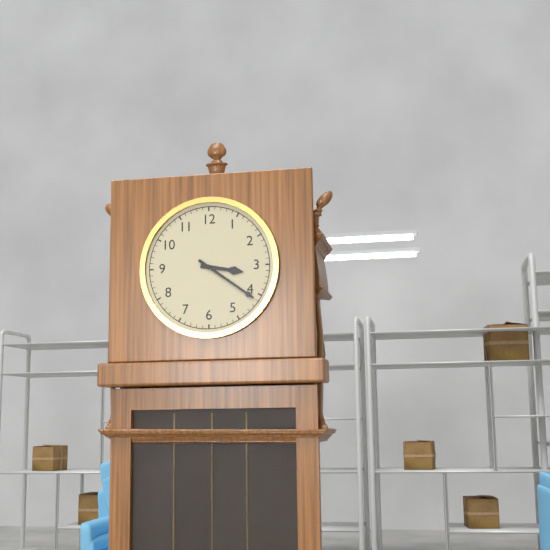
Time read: **3:21**
